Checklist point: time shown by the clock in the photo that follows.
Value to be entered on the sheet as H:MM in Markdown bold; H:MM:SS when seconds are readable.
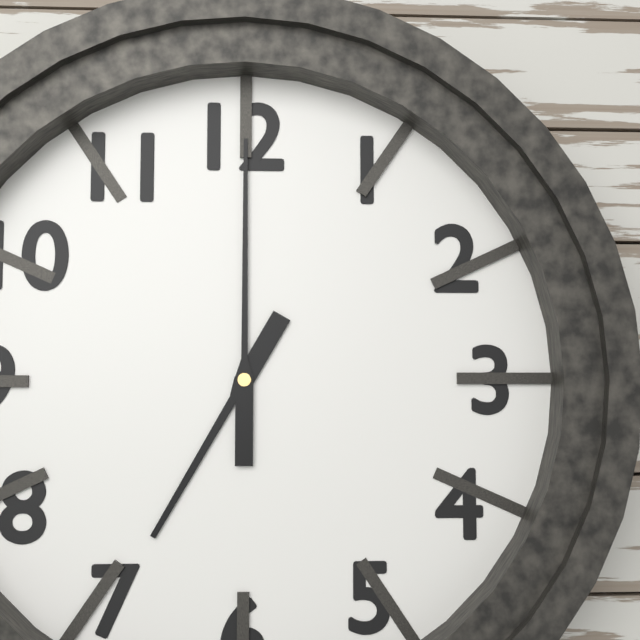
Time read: **7:00**
